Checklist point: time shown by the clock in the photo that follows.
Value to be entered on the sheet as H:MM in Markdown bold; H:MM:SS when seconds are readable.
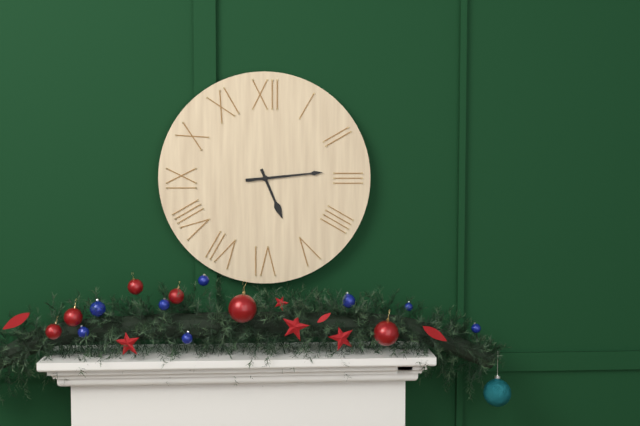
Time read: **5:14**
